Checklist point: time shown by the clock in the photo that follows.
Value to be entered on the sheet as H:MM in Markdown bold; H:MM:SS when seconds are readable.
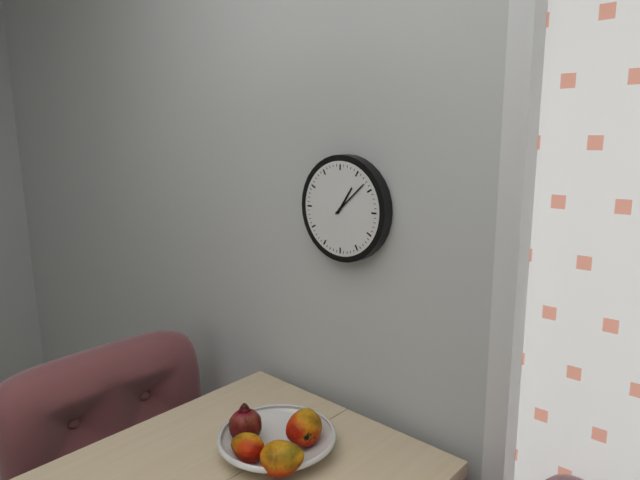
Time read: **1:08**
